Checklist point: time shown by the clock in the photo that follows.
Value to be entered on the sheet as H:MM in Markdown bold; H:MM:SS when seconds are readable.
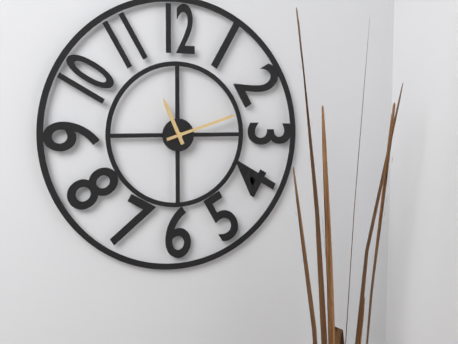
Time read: **11:12**
